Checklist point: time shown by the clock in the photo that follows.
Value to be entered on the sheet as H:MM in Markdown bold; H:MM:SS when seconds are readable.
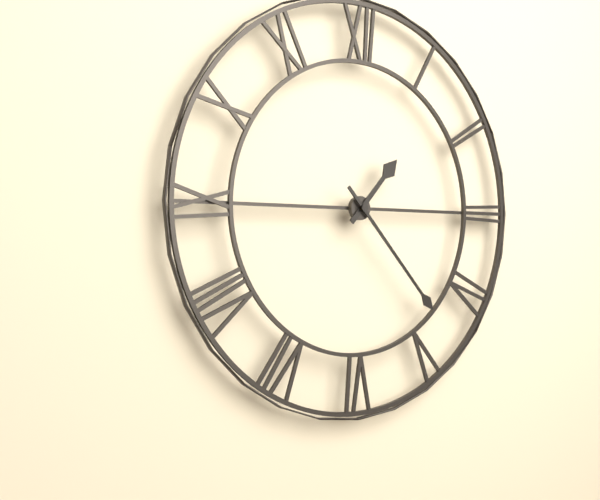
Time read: **1:23**
